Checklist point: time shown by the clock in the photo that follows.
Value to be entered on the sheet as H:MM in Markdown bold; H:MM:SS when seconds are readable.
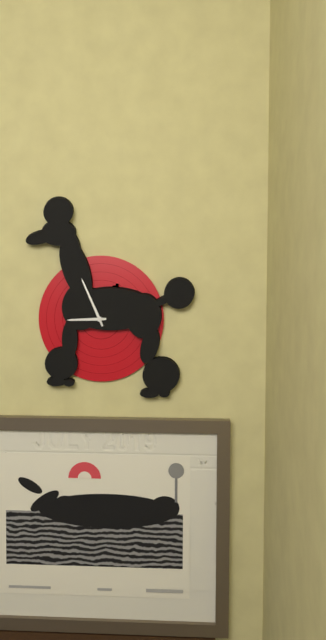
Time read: **8:56**
